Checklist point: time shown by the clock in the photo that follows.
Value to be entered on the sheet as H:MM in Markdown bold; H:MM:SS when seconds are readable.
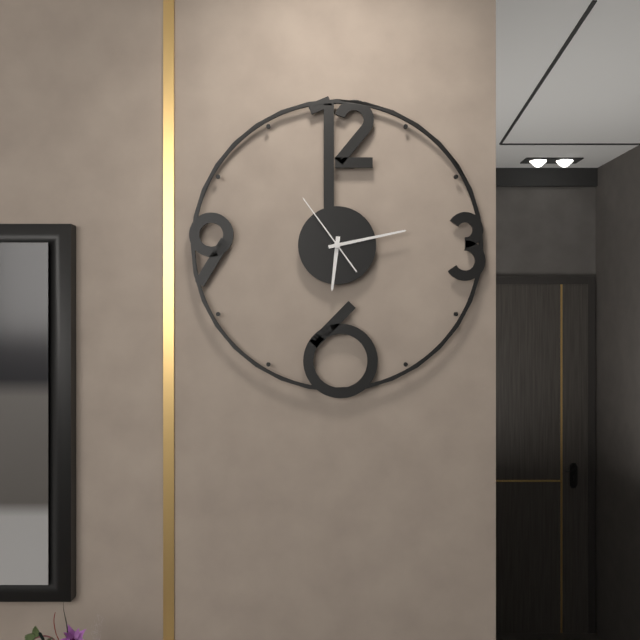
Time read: **6:13:54**
